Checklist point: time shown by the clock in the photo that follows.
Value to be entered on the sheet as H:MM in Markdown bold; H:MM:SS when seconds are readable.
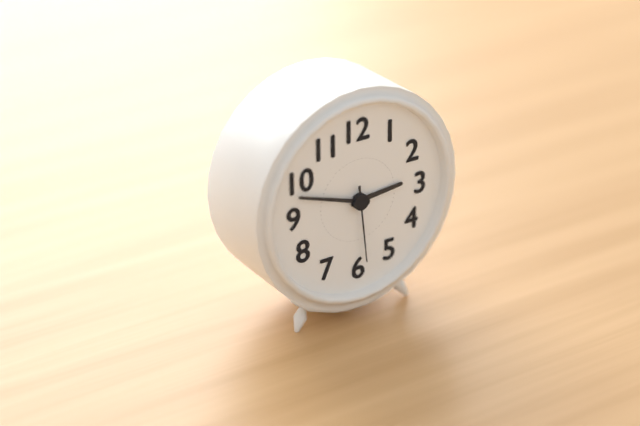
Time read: **2:48:29**
